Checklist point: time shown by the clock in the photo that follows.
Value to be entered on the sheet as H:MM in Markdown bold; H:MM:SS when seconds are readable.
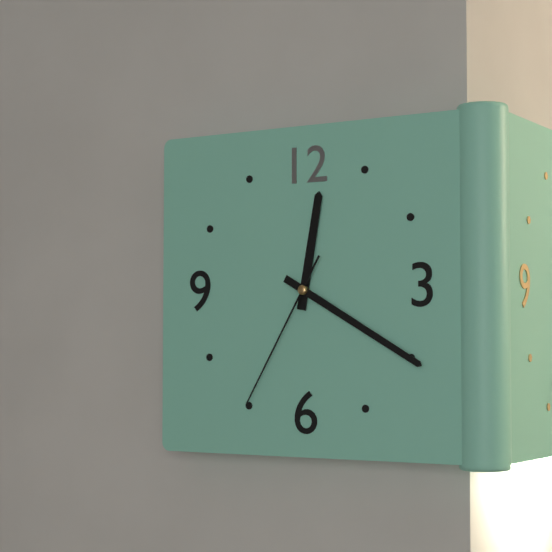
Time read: **12:20:35**
